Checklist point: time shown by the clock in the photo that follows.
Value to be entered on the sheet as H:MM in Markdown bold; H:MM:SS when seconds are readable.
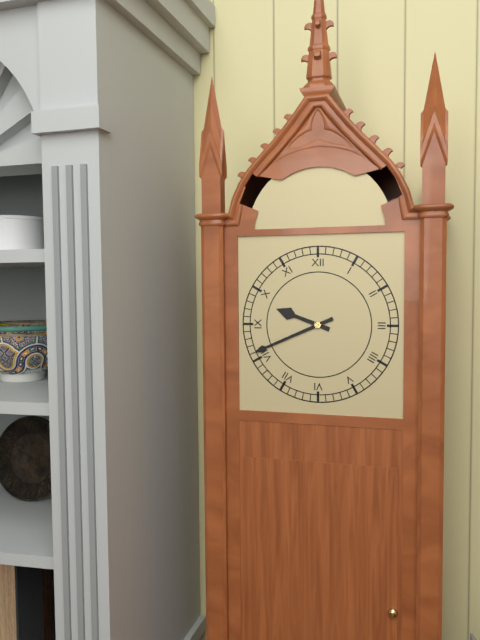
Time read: **9:41**
